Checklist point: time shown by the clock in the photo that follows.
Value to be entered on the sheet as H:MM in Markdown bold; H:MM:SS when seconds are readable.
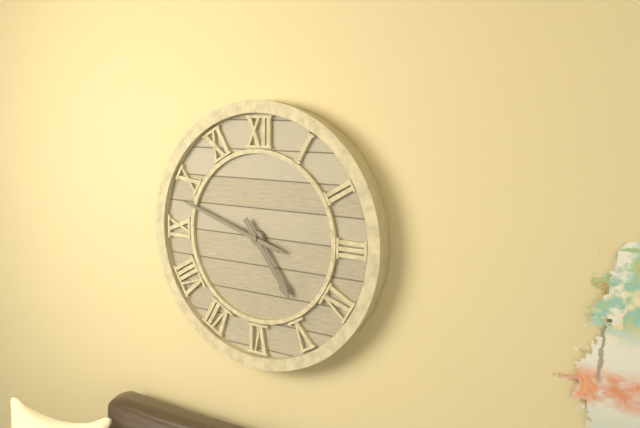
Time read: **4:48**
